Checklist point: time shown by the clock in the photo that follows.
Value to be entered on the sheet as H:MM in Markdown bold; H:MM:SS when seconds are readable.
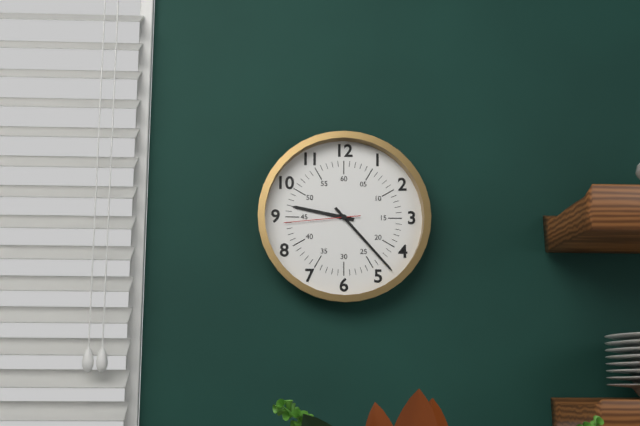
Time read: **9:23:44**
